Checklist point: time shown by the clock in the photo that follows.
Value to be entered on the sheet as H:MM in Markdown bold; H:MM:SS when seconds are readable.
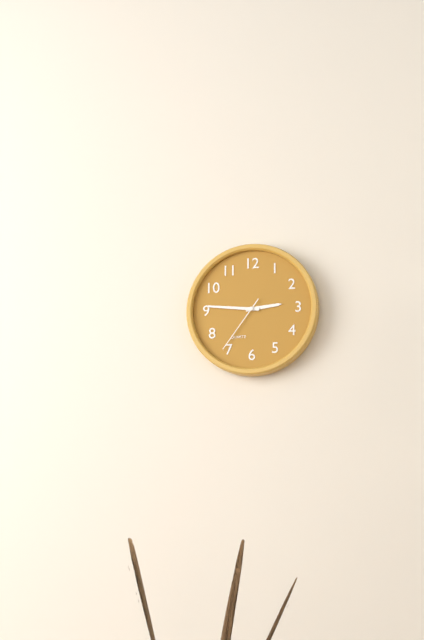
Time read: **2:46:36**
